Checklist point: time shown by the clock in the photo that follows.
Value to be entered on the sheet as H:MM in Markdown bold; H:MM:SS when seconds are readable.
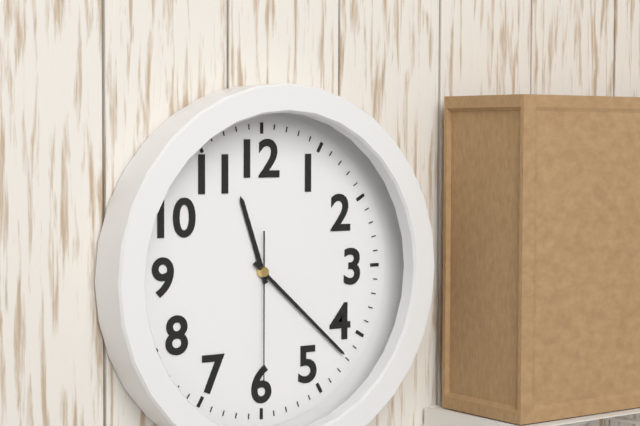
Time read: **11:22:30**
